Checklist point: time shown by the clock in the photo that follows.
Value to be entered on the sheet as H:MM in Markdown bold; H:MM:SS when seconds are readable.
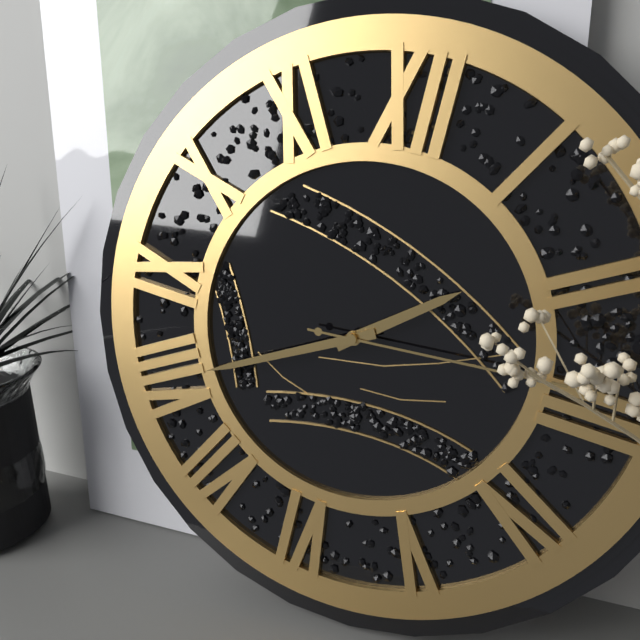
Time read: **1:40:14**
